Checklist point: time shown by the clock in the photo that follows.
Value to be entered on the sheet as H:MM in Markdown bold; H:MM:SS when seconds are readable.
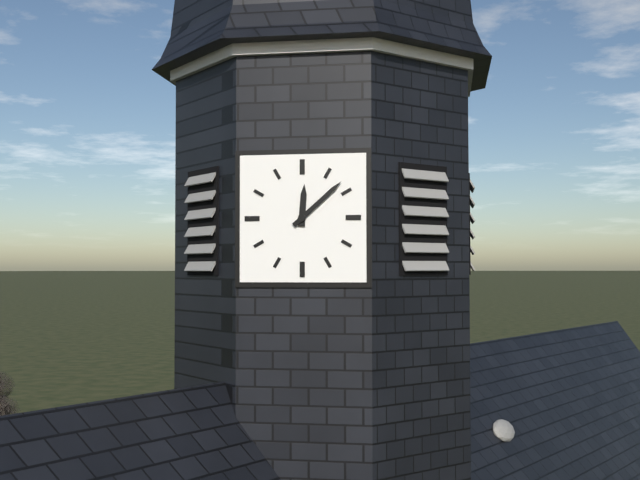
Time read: **12:08**
